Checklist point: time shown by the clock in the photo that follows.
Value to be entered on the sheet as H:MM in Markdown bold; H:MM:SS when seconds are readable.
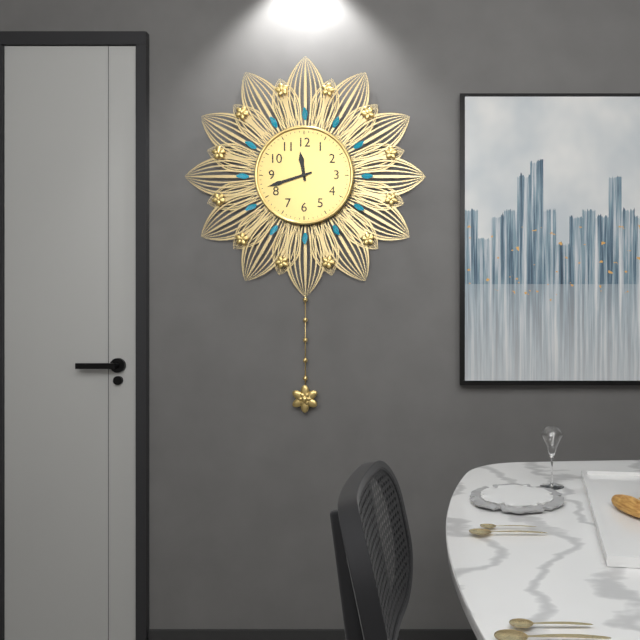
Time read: **11:42**
